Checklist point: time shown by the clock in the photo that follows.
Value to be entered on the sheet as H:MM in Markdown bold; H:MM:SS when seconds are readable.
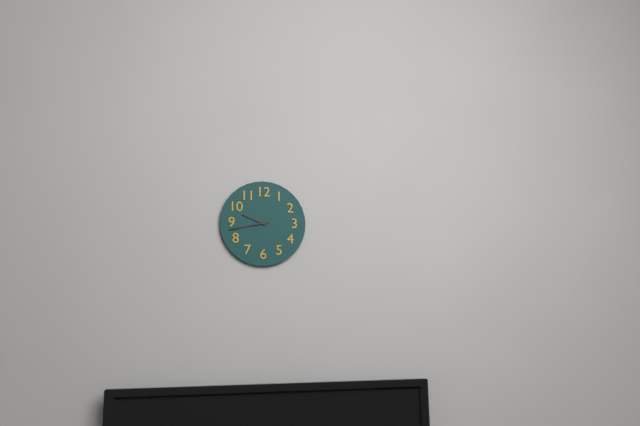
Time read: **9:43**
